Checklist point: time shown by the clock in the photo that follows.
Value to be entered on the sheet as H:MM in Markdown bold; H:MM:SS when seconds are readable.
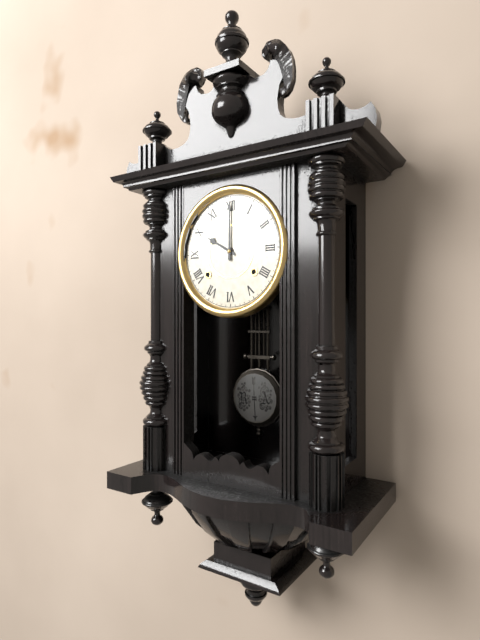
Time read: **10:00**
